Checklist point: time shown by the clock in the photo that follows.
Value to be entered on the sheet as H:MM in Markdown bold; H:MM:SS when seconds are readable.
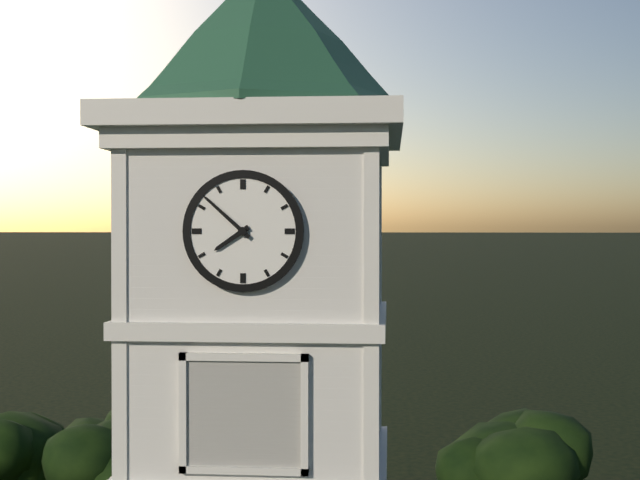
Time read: **7:52**
